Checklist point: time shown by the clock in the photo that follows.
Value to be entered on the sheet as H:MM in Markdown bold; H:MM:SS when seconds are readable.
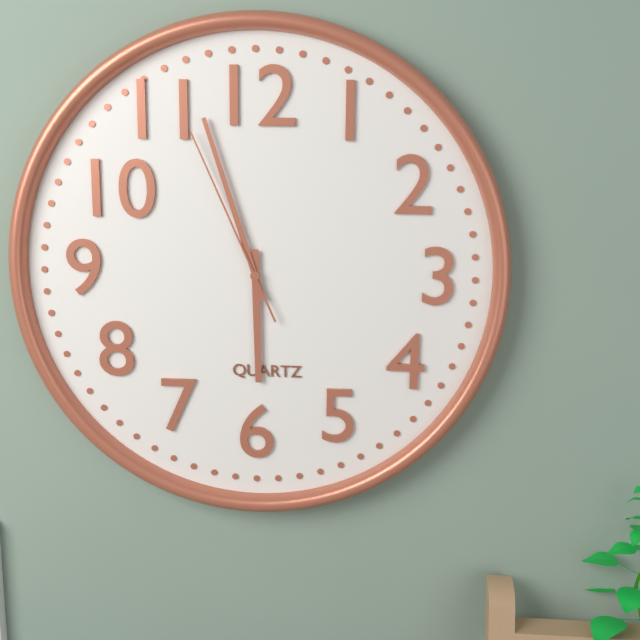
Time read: **5:57:56**
